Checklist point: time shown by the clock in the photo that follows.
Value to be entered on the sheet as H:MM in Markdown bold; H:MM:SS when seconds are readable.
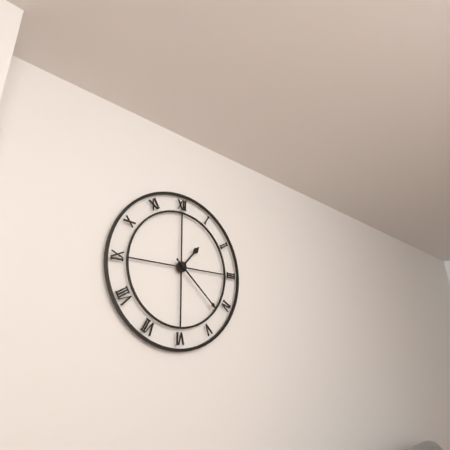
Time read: **1:22**
